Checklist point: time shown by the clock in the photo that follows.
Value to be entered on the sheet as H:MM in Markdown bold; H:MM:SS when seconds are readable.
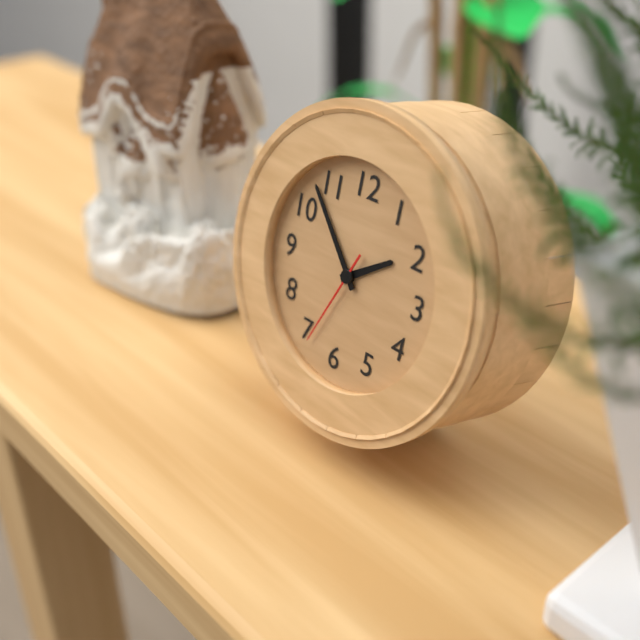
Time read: **1:53:34**
